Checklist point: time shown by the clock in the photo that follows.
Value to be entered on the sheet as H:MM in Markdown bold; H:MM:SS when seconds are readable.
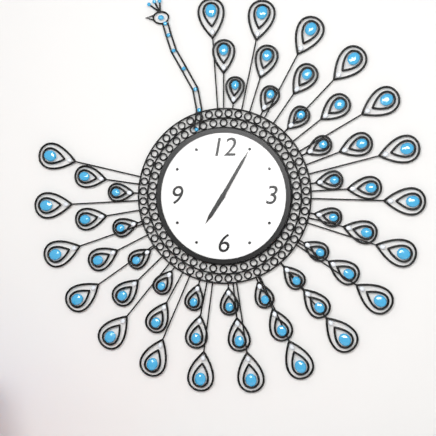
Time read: **7:05**
